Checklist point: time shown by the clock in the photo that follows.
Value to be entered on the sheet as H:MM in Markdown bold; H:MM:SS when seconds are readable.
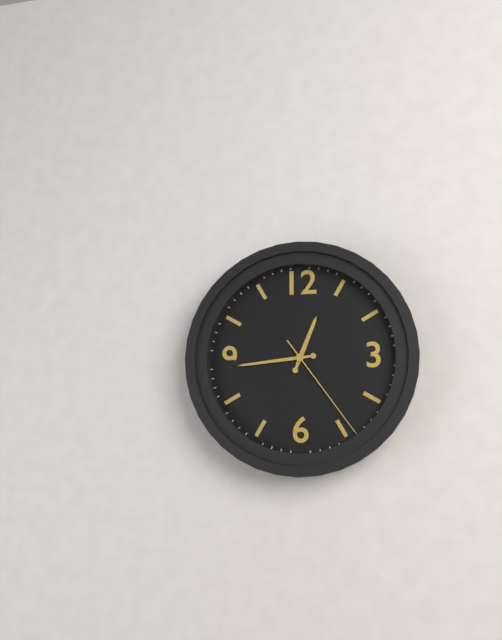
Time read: **12:44:24**
